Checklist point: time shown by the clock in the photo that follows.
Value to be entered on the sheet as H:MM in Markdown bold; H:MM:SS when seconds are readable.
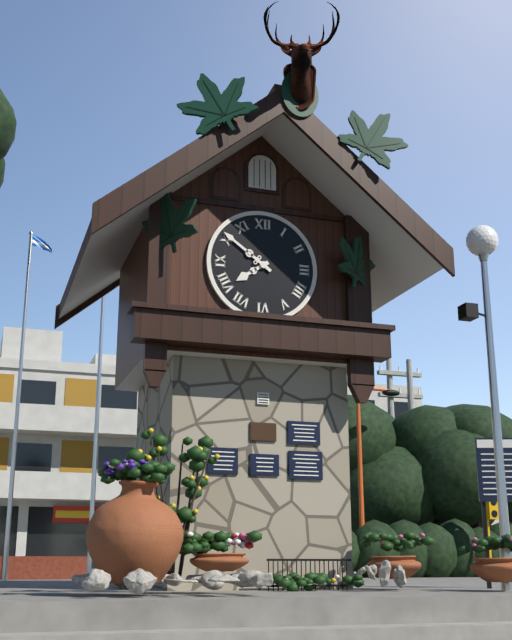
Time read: **7:51**
